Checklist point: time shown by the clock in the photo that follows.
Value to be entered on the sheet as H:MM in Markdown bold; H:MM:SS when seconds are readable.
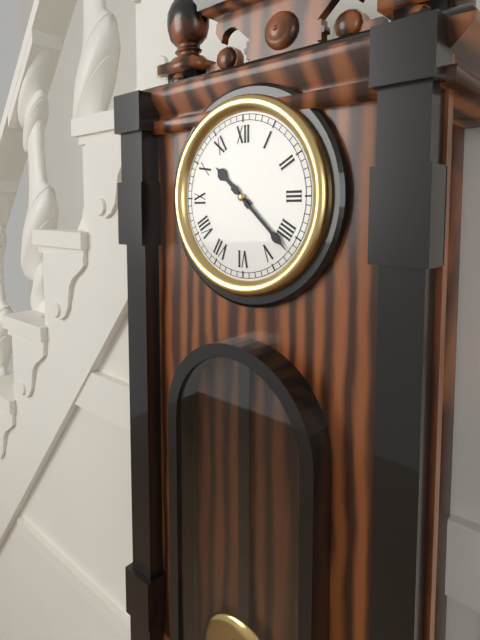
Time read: **10:22**
